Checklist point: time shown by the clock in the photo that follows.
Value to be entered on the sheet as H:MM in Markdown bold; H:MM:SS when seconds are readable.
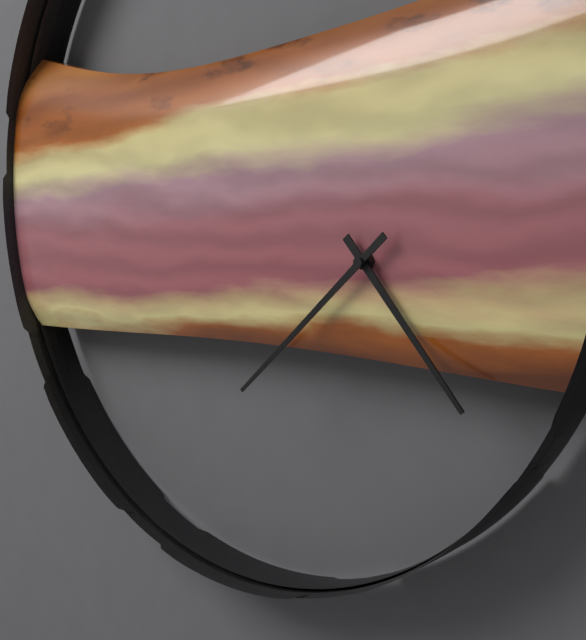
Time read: **4:38**
